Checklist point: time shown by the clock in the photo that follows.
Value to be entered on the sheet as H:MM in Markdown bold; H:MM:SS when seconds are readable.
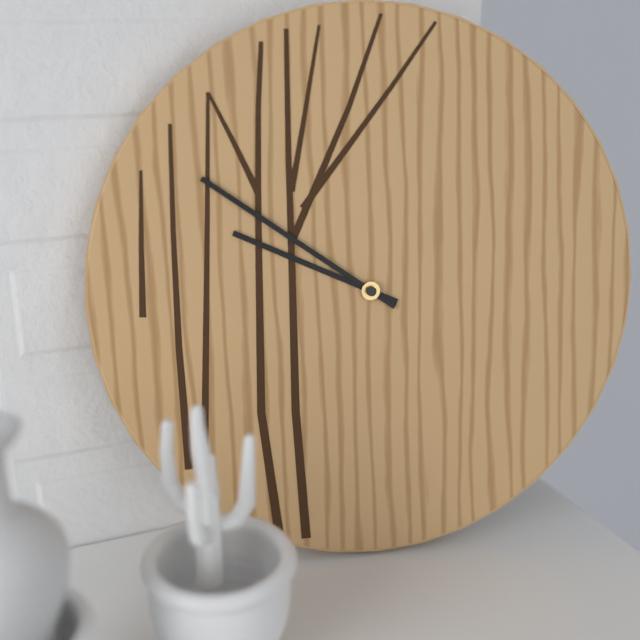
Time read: **9:51**
